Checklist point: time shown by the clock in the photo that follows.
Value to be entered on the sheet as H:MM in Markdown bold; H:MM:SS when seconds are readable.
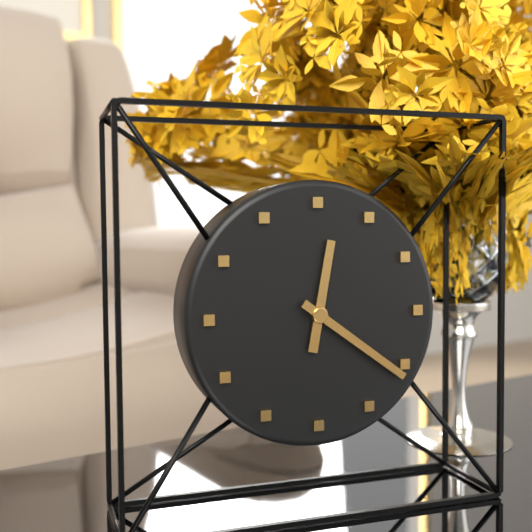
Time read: **12:21**
